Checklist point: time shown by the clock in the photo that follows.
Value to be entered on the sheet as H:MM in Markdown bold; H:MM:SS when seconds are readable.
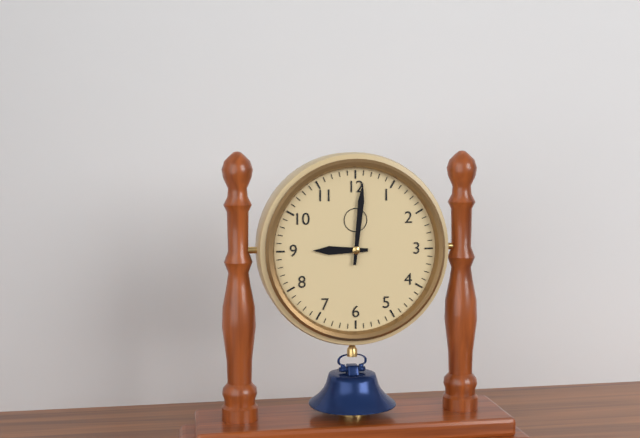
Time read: **9:01**
